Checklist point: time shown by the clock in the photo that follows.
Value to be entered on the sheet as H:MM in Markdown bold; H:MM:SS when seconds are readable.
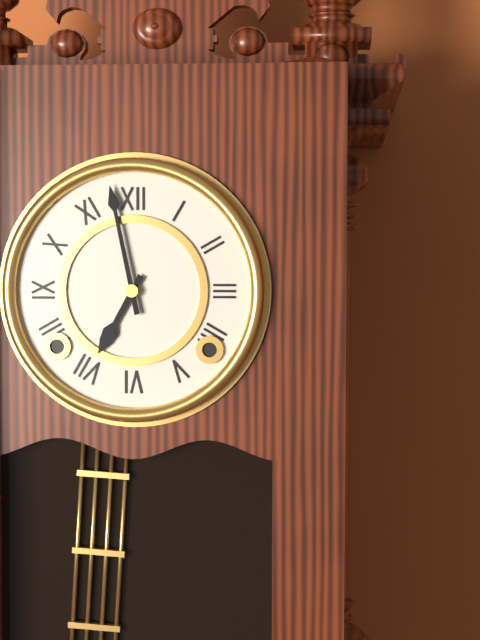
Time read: **6:58**
